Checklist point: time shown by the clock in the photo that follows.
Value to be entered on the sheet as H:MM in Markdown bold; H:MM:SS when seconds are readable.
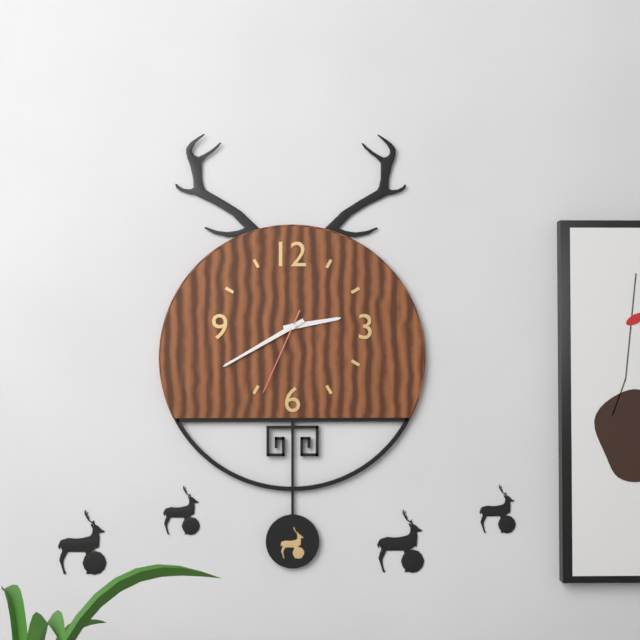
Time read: **2:40:34**
